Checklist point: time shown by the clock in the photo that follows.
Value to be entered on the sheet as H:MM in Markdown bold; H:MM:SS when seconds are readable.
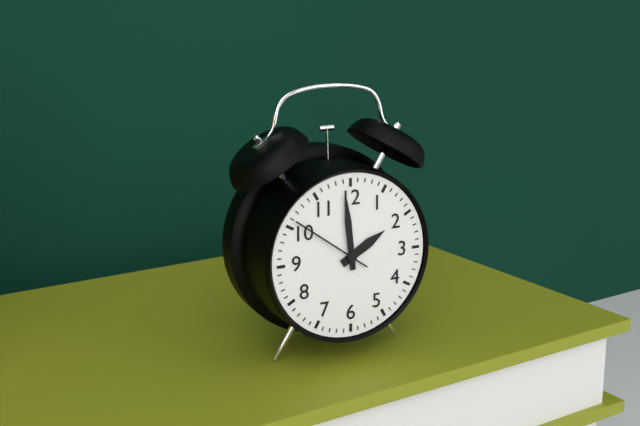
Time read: **1:59:51**
